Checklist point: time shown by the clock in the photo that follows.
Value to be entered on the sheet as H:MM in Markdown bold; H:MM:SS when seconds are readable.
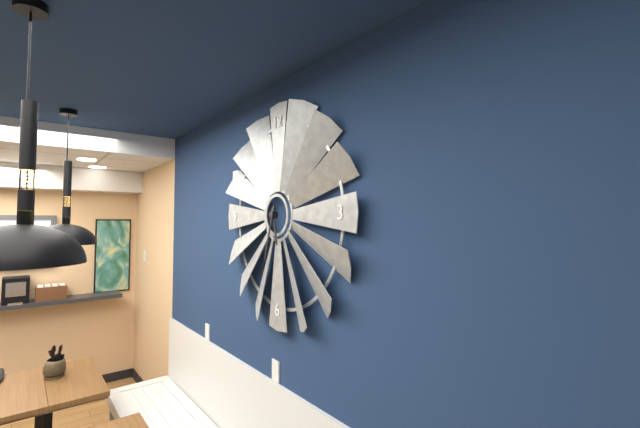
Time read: **5:33**
